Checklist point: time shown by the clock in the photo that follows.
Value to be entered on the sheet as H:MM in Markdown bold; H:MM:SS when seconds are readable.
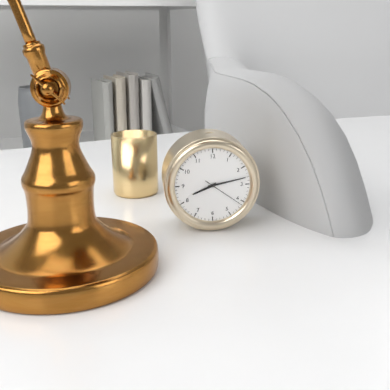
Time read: **8:13:21**
